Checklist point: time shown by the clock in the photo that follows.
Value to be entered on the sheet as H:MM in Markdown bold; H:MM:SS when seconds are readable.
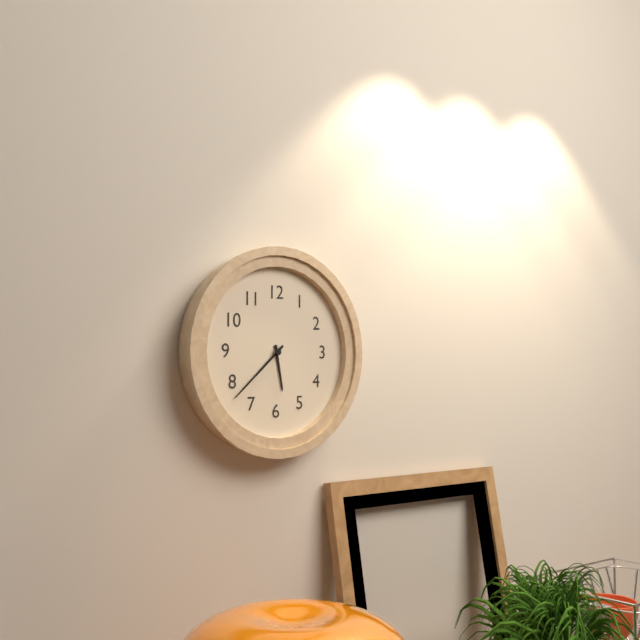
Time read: **5:38**
